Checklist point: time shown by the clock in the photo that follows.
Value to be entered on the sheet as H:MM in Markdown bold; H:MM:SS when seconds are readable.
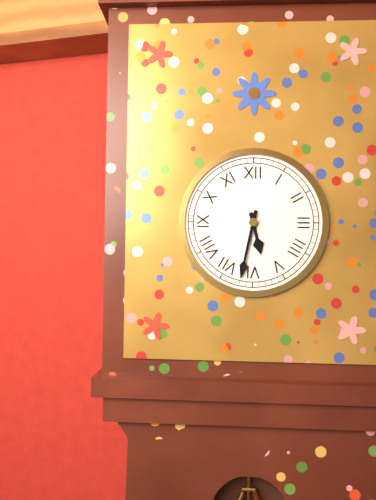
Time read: **5:32**
